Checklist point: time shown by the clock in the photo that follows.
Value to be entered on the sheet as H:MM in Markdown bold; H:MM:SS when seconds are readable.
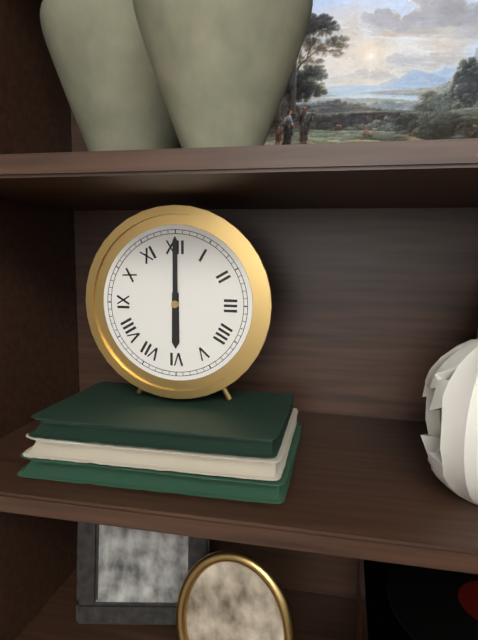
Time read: **6:00**
